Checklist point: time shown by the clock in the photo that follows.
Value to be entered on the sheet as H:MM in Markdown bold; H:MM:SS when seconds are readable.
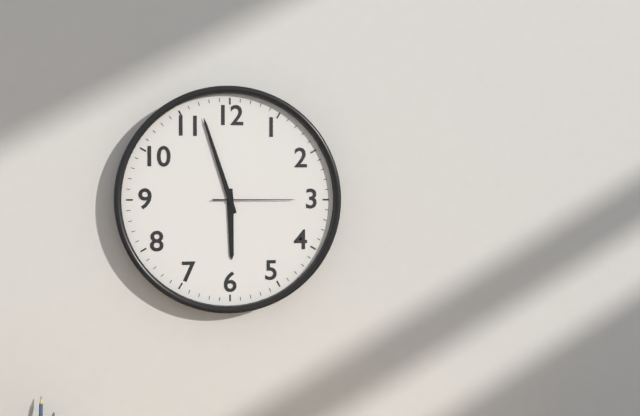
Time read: **5:57:15**
